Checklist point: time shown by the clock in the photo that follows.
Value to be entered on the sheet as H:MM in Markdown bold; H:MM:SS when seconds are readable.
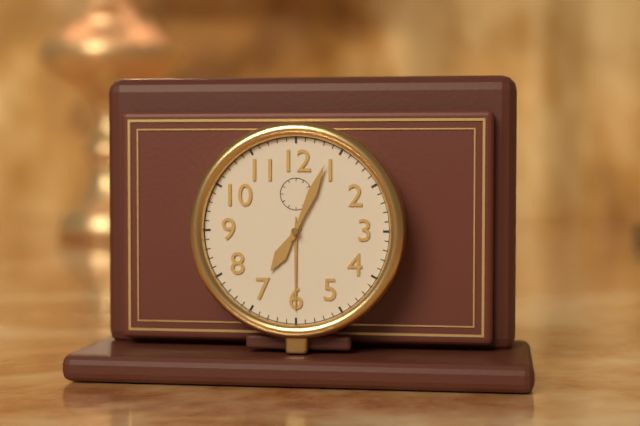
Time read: **7:04**
